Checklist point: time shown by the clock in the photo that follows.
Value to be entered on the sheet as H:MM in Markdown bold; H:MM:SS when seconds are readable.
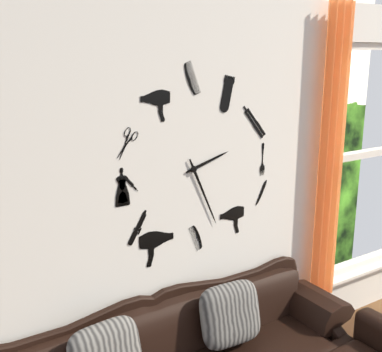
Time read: **2:26**
